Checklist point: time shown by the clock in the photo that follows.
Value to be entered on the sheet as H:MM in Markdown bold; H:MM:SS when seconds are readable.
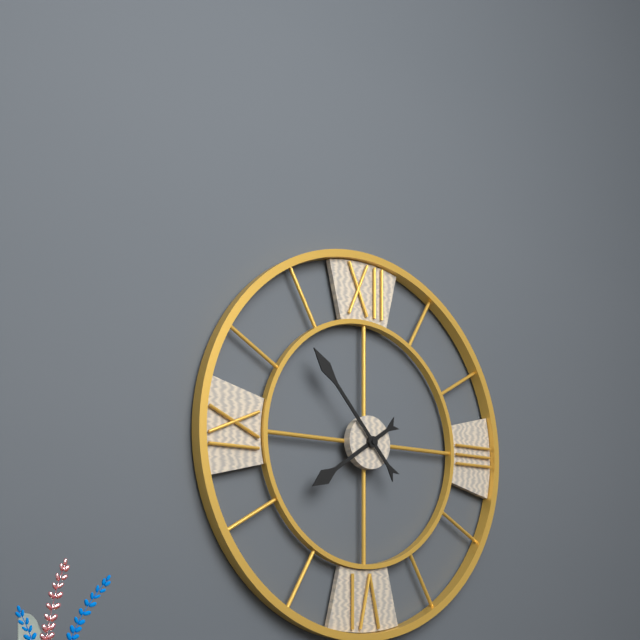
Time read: **7:53**
